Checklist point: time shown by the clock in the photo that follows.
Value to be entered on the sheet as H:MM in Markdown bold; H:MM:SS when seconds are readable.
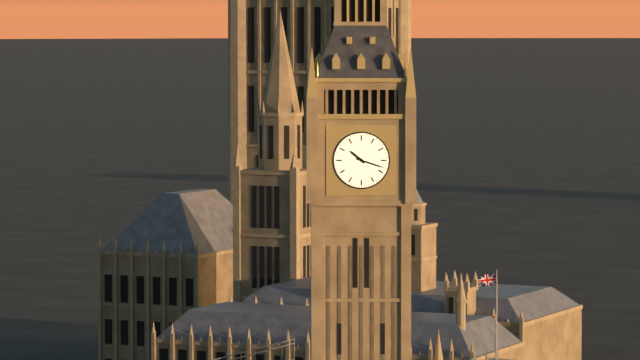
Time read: **10:18**
